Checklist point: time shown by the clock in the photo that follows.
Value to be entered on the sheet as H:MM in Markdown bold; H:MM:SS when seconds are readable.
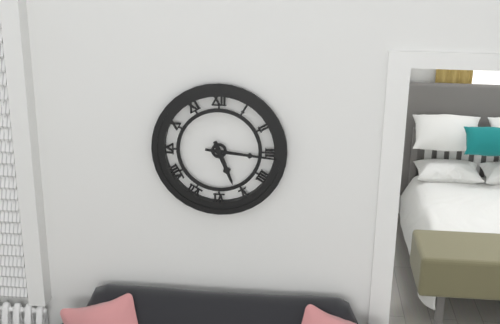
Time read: **5:16**
